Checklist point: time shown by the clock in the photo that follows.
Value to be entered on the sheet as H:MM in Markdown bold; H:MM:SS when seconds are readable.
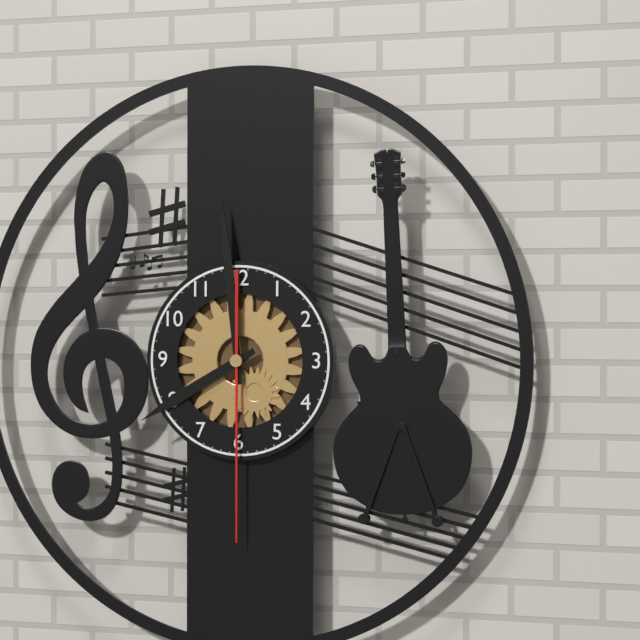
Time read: **7:59:30**
